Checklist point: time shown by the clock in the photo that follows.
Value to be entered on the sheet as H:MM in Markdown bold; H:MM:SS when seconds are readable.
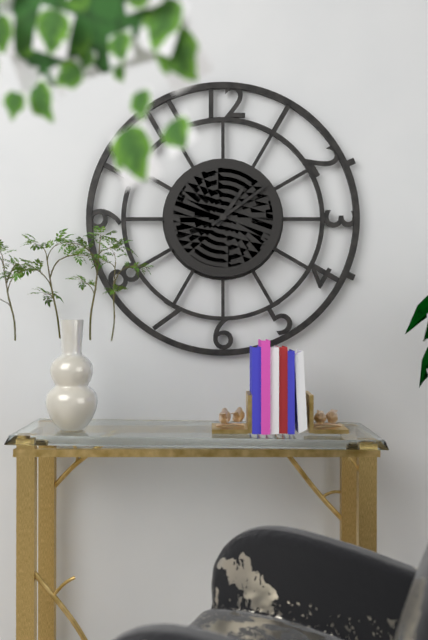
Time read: **1:09**
